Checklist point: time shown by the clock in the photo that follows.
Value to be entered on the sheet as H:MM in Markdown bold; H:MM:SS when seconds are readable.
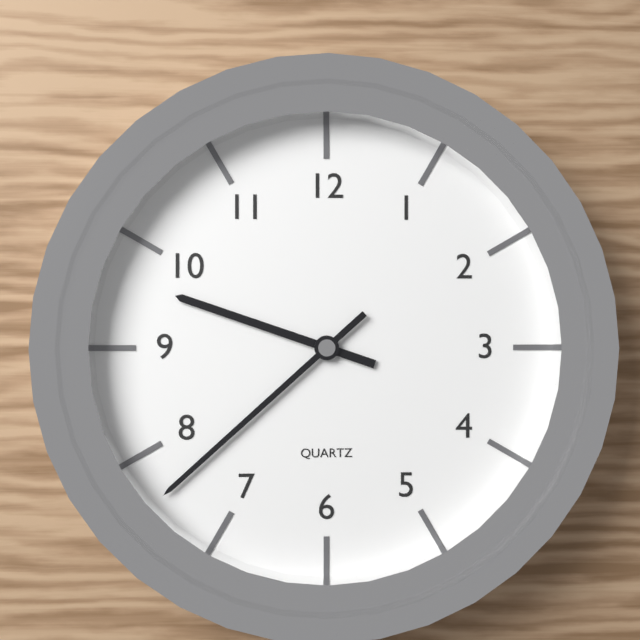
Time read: **9:38**
